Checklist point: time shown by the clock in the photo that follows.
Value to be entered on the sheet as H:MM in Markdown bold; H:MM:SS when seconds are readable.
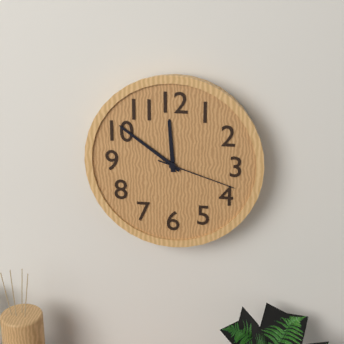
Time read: **11:51:18**
